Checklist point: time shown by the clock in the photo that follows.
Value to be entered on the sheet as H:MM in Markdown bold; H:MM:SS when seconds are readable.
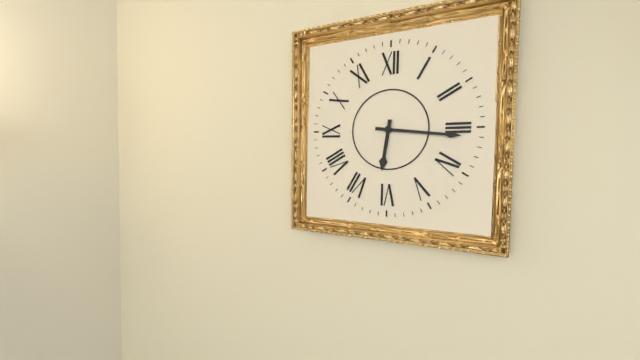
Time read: **6:16**
